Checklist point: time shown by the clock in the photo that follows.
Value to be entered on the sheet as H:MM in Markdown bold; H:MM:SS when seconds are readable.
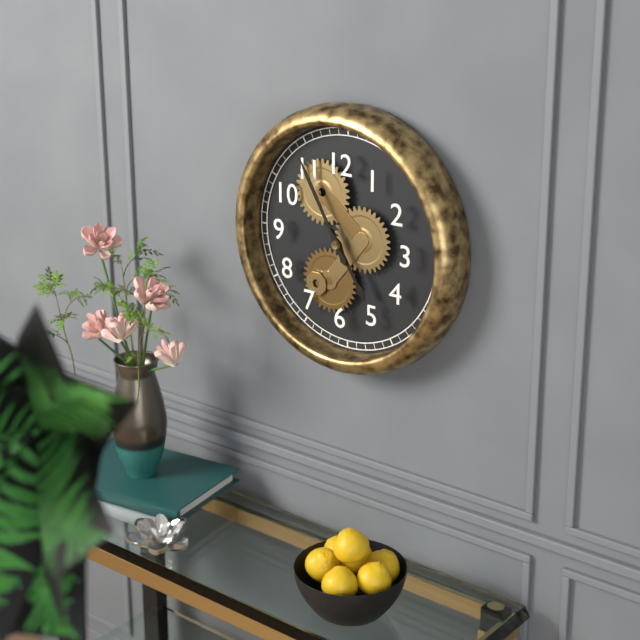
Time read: **4:55**
